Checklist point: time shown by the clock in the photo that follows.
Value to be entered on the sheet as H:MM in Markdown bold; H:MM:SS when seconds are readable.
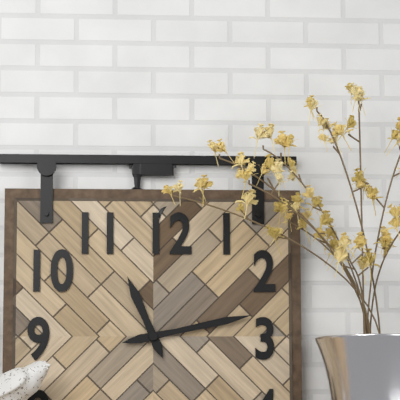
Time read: **11:13**
